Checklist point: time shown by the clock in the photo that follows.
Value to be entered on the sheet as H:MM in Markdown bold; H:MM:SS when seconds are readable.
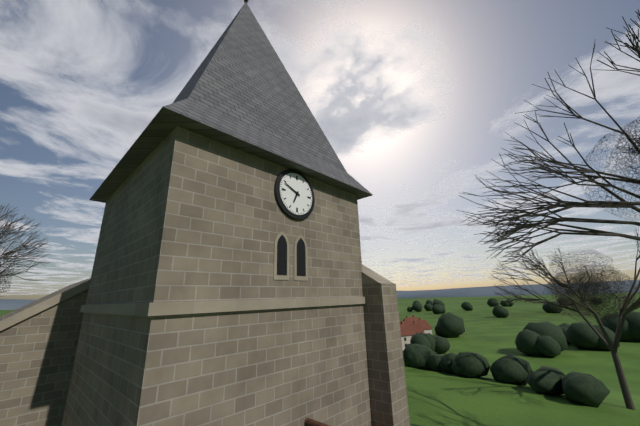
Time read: **6:49**
